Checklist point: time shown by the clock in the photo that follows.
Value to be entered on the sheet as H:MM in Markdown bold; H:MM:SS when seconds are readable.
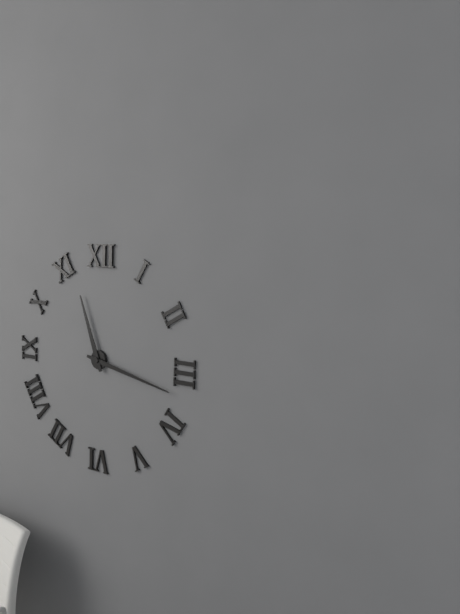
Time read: **11:17**
